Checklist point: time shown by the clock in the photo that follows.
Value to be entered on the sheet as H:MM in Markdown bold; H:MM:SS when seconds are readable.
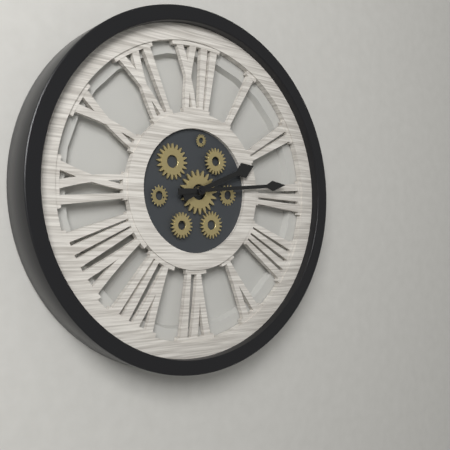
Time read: **2:14**
